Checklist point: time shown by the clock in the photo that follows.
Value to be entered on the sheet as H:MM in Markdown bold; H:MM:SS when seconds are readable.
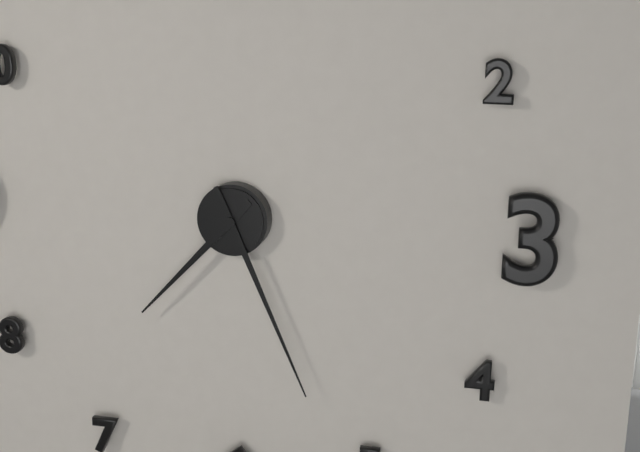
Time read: **7:26**
